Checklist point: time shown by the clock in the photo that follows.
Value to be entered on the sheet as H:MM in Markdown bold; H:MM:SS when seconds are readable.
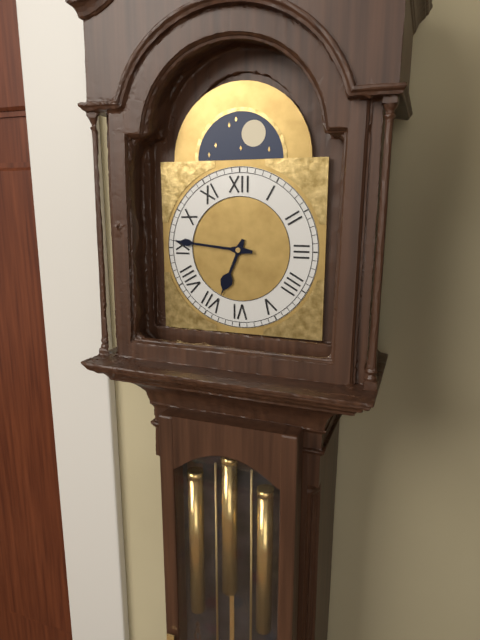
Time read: **6:46**
